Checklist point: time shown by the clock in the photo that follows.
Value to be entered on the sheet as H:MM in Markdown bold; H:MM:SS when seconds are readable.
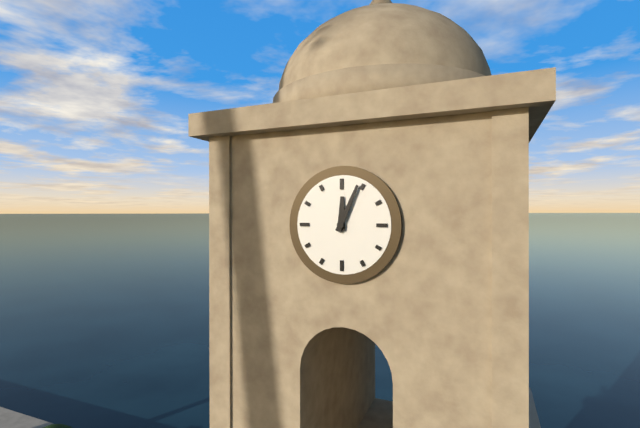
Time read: **12:04**
